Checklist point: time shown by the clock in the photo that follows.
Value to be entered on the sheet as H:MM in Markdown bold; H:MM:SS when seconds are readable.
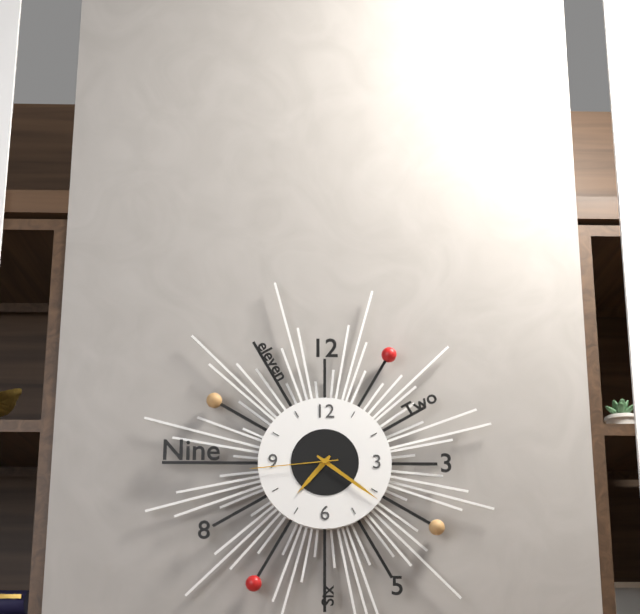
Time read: **7:21:44**
